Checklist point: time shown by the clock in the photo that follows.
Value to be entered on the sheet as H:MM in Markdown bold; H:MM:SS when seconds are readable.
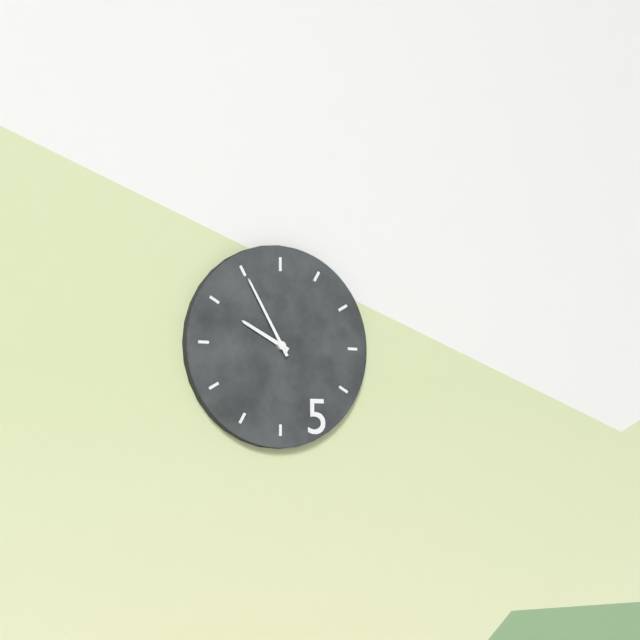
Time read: **9:55**
